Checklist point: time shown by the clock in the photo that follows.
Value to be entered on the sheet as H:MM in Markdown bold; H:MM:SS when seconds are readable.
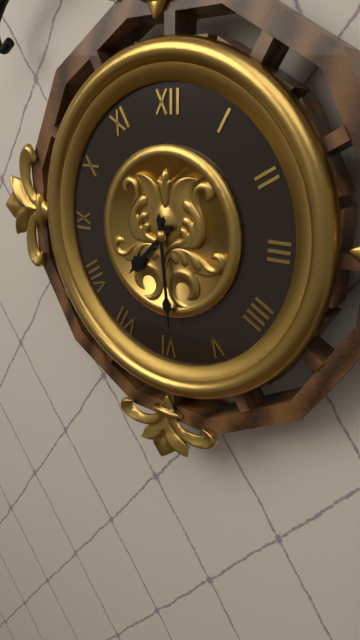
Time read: **7:29**
